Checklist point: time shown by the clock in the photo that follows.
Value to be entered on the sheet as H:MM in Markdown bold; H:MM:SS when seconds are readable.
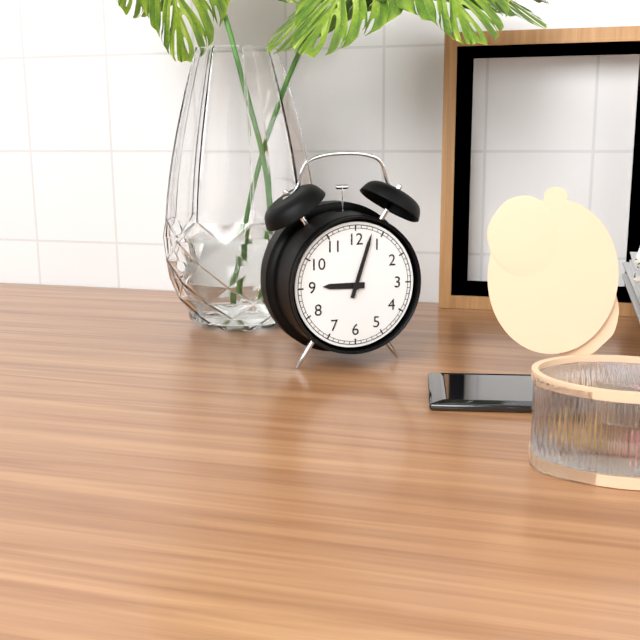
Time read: **9:03**
